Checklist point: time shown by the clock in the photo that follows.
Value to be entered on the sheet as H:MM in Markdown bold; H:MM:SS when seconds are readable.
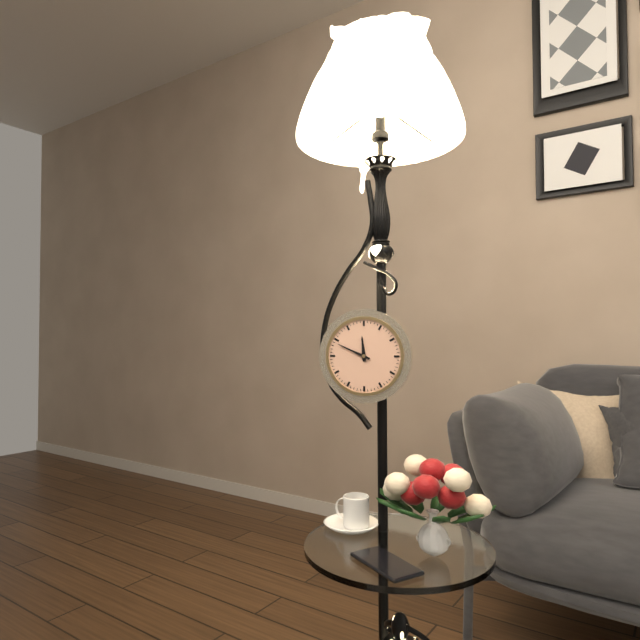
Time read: **11:49**
